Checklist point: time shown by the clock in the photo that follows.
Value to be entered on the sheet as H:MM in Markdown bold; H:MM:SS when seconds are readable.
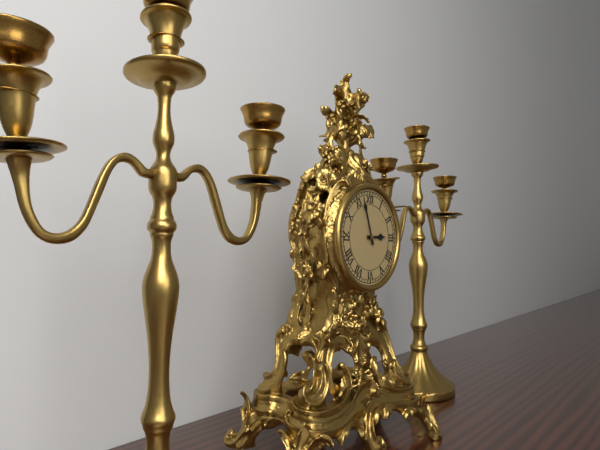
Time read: **2:57**
